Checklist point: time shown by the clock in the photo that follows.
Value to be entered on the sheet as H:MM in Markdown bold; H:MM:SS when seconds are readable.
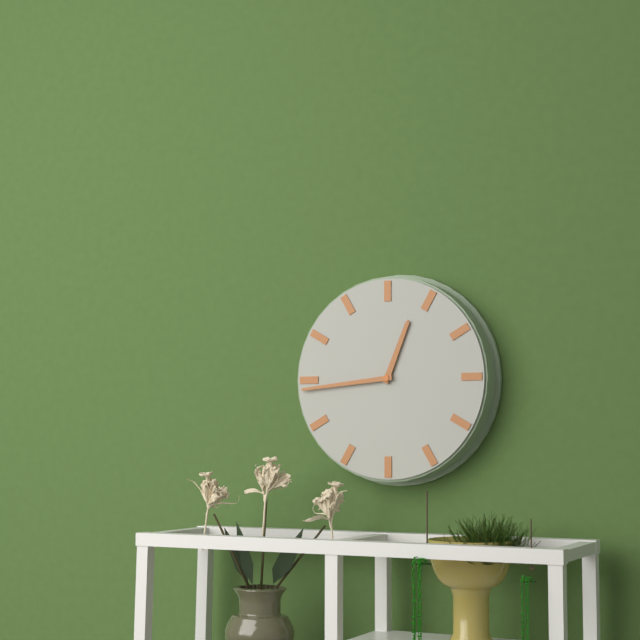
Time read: **12:44**
